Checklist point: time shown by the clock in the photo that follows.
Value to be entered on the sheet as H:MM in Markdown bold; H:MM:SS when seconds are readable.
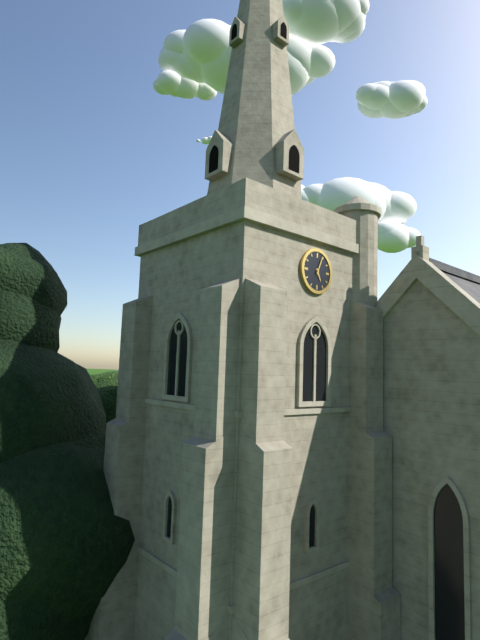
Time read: **5:04**
